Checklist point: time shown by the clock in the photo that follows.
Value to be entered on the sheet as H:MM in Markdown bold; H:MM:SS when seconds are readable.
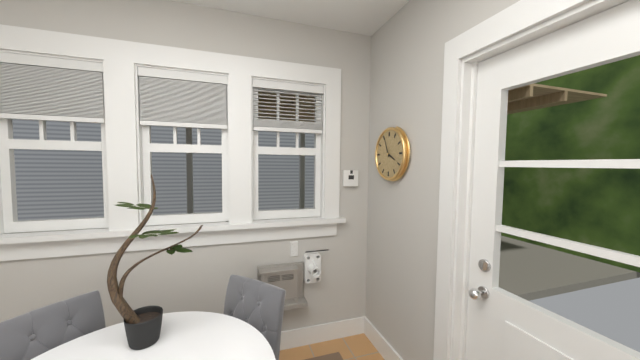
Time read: **3:56**
